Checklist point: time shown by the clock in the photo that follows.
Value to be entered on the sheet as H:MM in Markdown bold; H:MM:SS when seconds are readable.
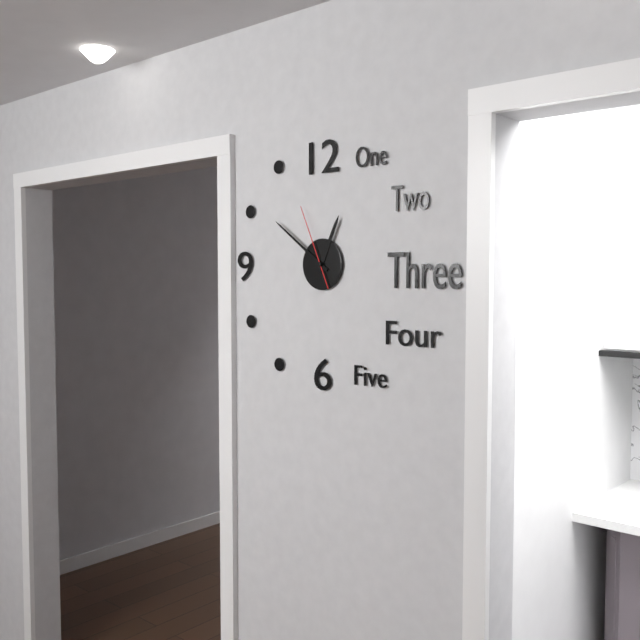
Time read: **12:51:56**
